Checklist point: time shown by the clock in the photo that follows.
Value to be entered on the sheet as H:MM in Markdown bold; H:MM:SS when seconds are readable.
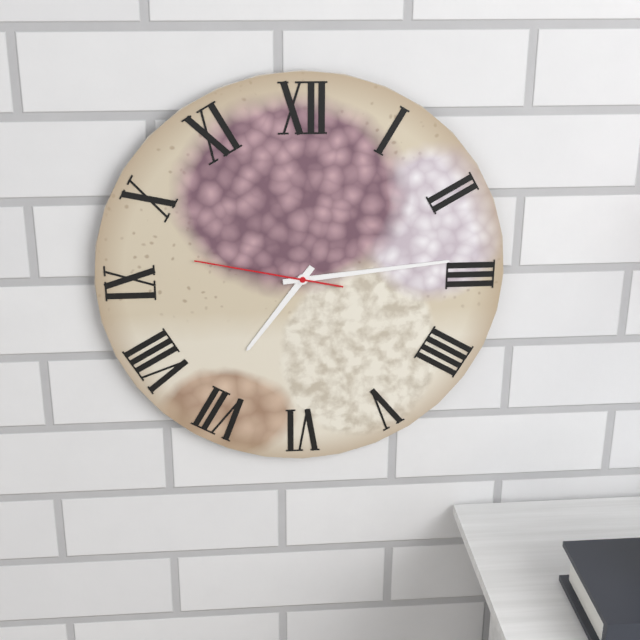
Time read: **7:14:47**
